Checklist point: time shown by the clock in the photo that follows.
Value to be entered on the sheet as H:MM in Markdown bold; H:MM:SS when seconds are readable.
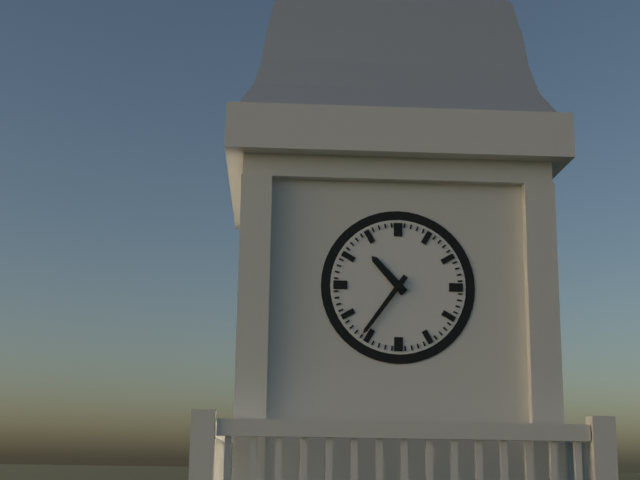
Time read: **10:36**
